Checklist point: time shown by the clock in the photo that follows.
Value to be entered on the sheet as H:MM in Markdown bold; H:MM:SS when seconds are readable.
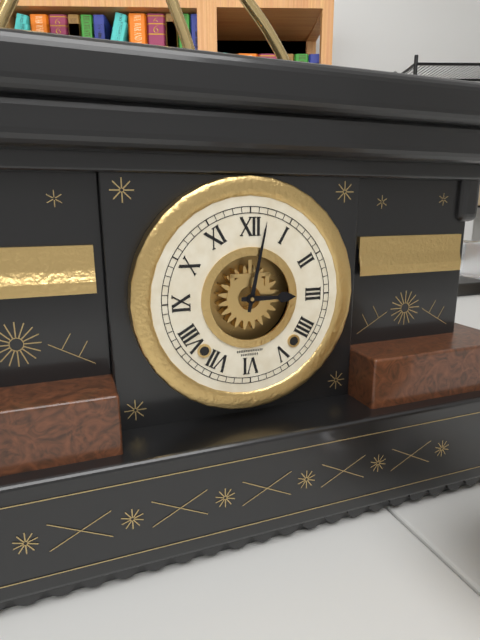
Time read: **3:02**
